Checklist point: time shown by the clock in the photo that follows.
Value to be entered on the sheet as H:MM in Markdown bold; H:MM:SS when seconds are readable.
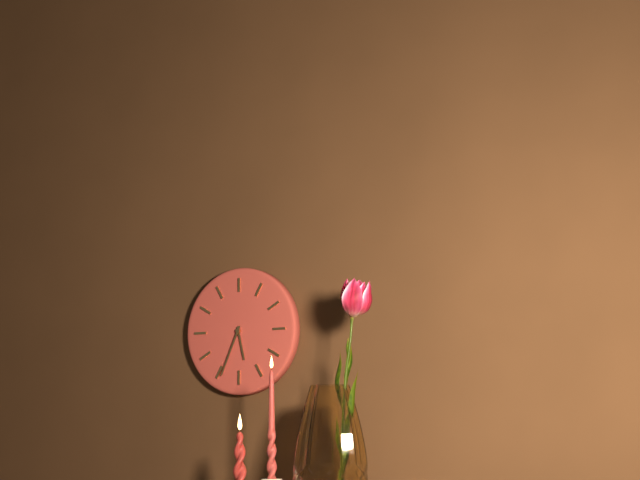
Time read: **5:34**
